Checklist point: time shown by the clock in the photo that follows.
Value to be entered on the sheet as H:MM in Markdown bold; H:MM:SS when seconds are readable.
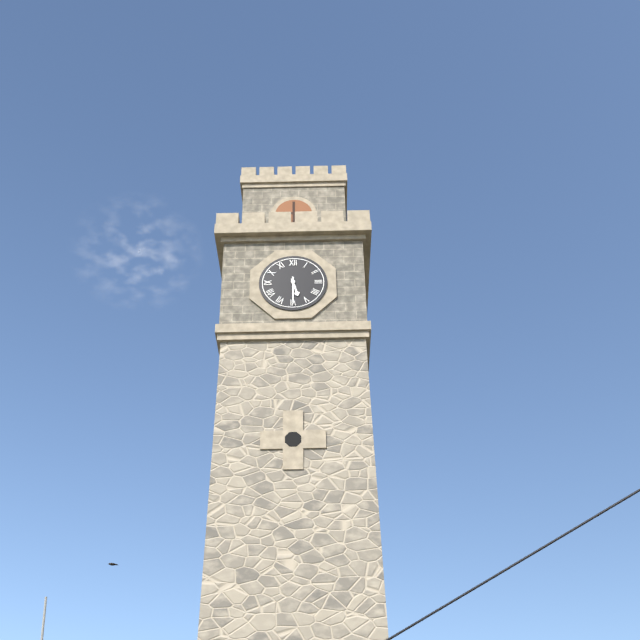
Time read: **5:30**
